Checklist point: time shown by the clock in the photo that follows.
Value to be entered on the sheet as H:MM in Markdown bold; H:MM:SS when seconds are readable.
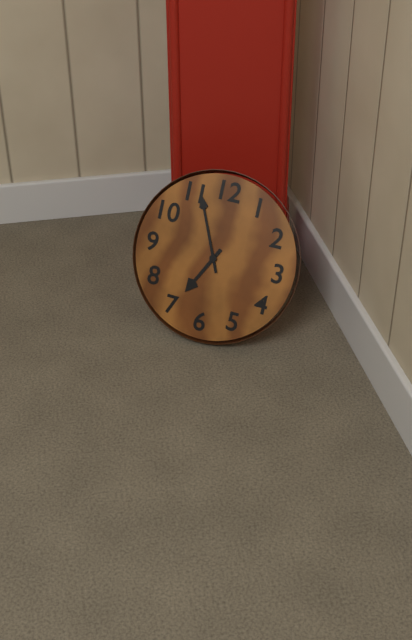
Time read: **6:56**
